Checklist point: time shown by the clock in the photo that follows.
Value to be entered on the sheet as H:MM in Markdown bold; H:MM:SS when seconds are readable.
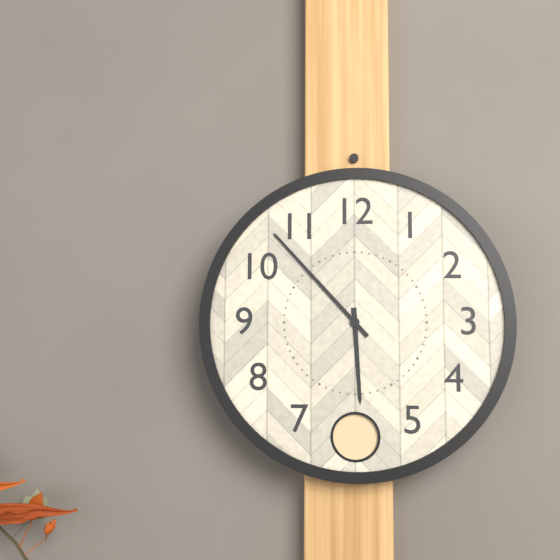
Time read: **5:53**
